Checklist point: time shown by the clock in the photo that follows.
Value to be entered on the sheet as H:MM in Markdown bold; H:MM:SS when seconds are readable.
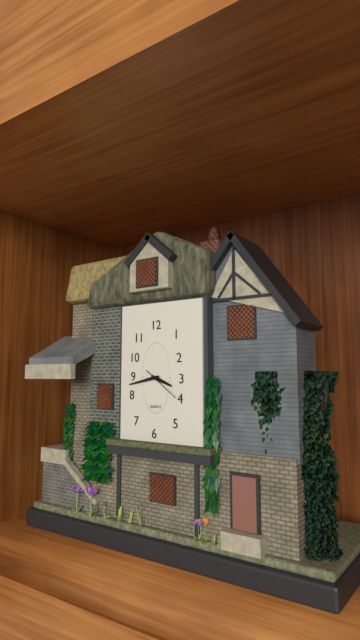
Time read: **3:43**
